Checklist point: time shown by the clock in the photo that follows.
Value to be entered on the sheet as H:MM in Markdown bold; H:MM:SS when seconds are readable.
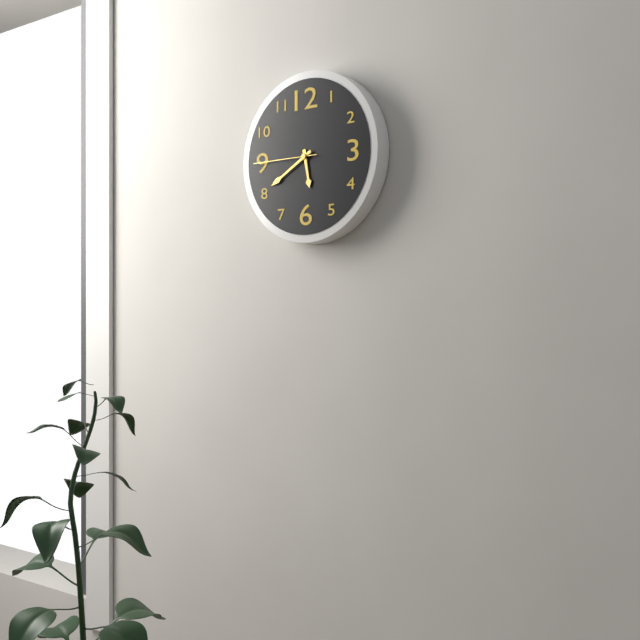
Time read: **5:40:45**
